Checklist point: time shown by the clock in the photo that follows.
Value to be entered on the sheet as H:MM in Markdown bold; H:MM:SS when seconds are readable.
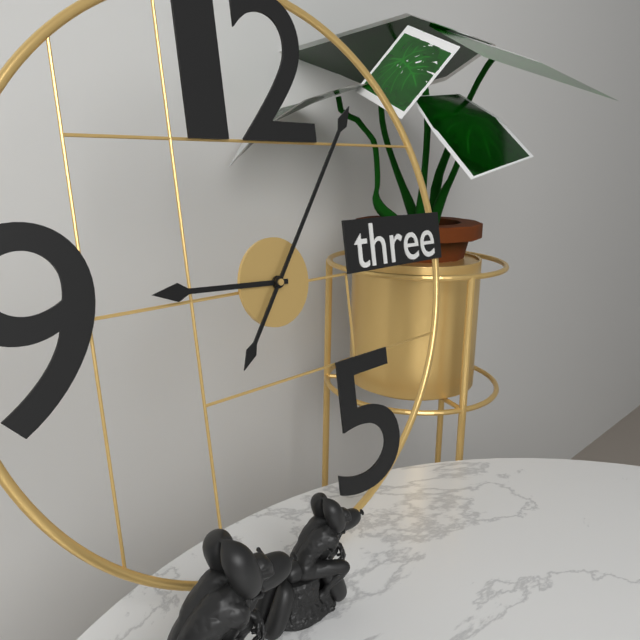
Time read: **9:06**
